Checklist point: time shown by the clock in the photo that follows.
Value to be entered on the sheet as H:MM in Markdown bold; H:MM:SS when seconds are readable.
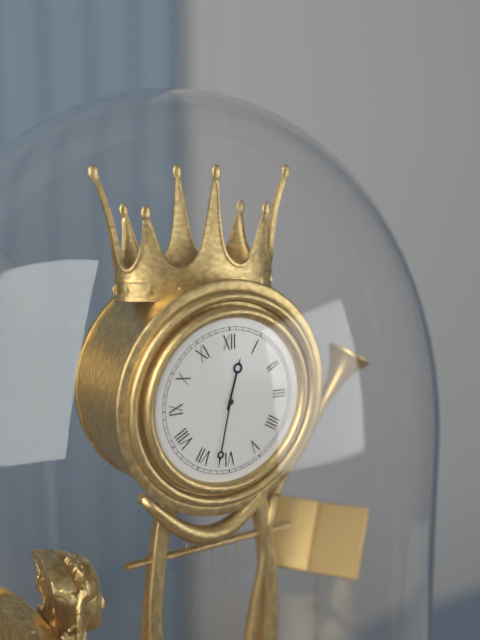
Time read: **12:32**
